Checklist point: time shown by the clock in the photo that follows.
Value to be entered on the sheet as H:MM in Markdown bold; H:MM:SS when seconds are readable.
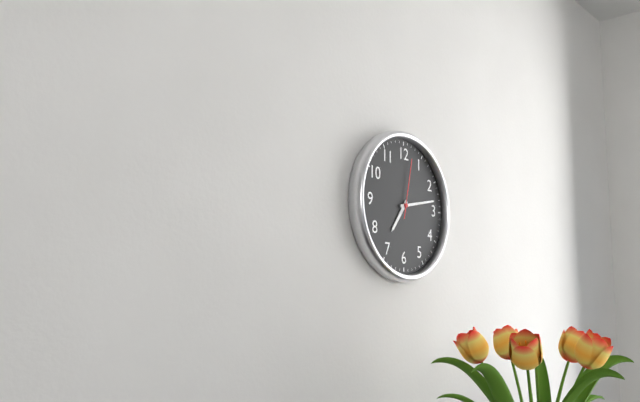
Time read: **7:13:02**
